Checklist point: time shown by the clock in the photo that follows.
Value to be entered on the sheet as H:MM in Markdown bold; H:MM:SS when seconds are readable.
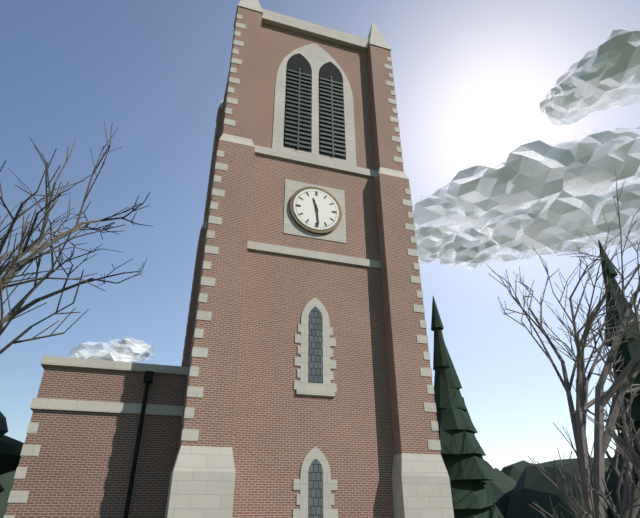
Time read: **11:29**
